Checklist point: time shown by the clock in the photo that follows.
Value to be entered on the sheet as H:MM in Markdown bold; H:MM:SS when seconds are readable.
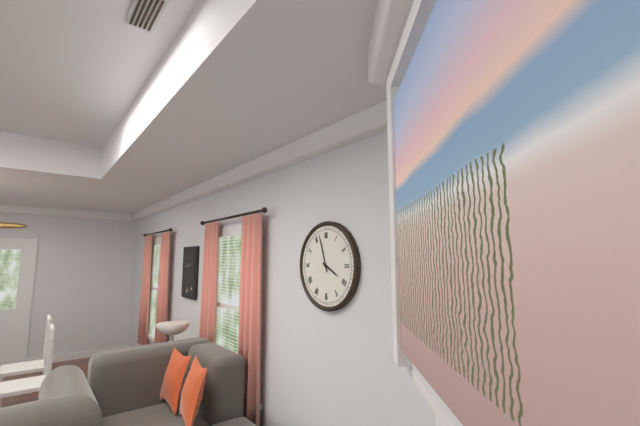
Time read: **3:57**
